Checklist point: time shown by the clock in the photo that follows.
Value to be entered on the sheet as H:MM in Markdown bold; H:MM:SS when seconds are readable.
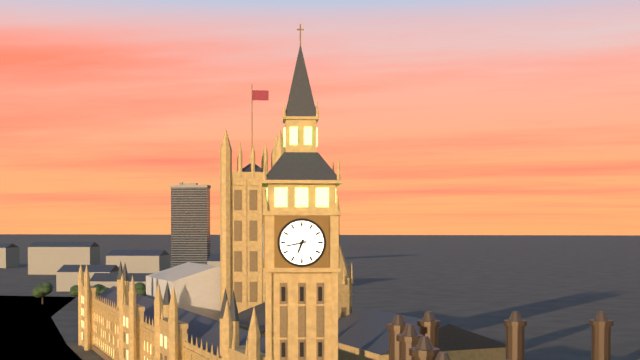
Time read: **6:43**
